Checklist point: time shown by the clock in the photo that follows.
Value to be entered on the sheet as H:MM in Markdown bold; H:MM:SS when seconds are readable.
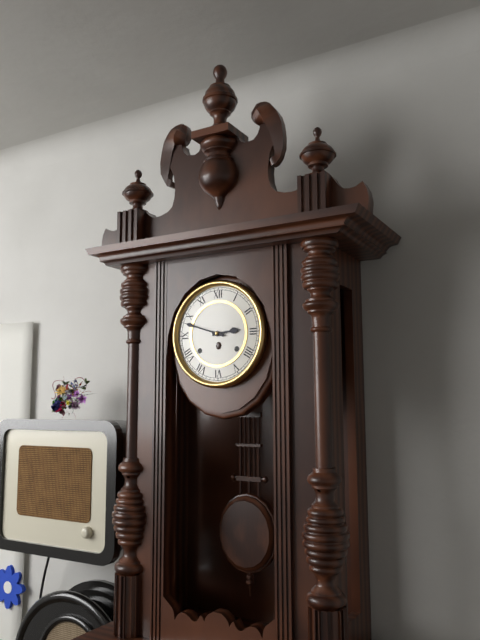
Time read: **2:48**
